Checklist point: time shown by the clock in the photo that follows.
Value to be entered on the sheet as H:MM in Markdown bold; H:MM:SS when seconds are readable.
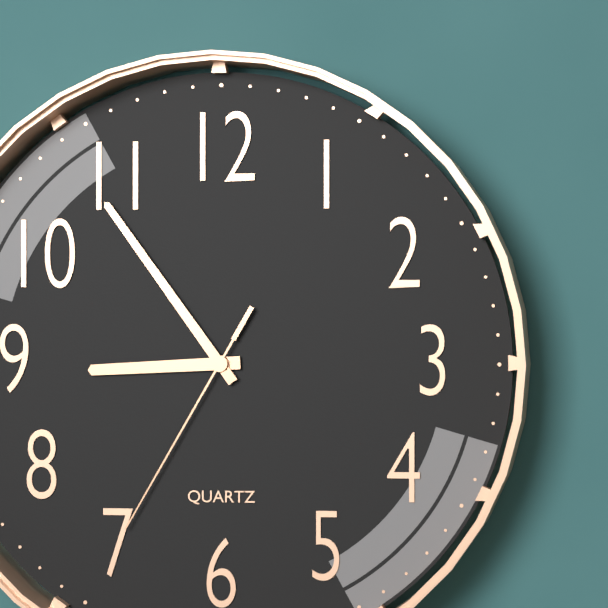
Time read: **8:54:35**
